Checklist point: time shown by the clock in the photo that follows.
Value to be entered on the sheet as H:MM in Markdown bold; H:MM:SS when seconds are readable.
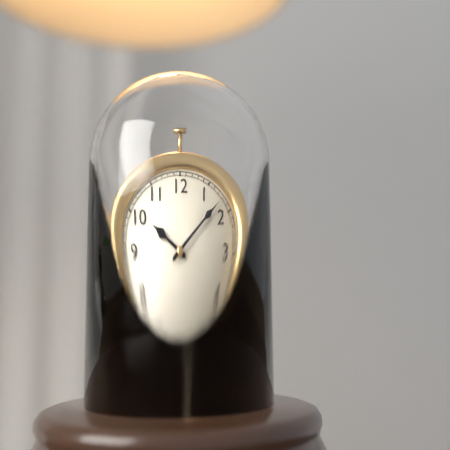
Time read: **10:08**
